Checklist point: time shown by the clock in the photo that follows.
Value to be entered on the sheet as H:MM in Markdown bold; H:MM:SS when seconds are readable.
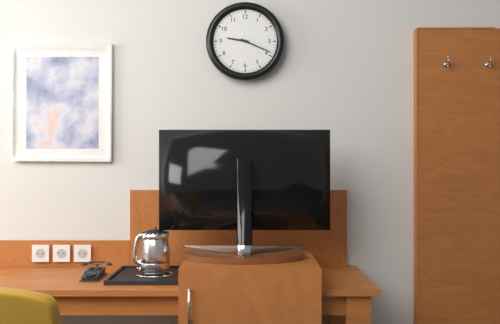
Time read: **9:19**
